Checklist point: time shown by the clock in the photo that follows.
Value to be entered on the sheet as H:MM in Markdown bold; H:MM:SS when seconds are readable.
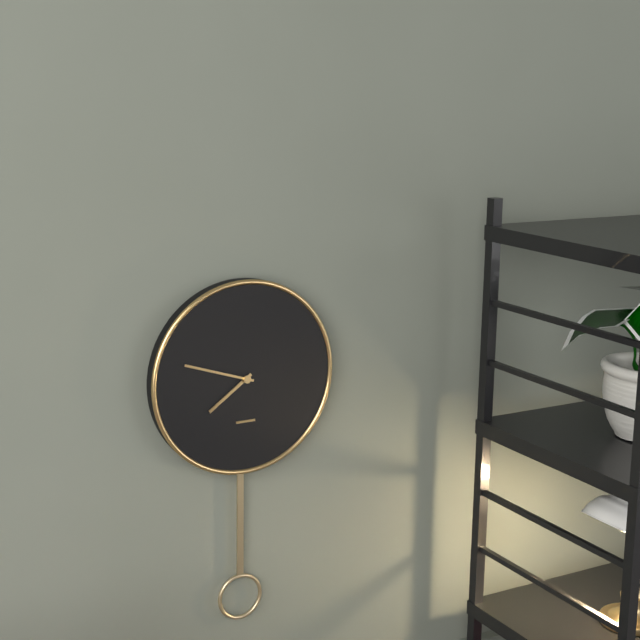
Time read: **7:48**
